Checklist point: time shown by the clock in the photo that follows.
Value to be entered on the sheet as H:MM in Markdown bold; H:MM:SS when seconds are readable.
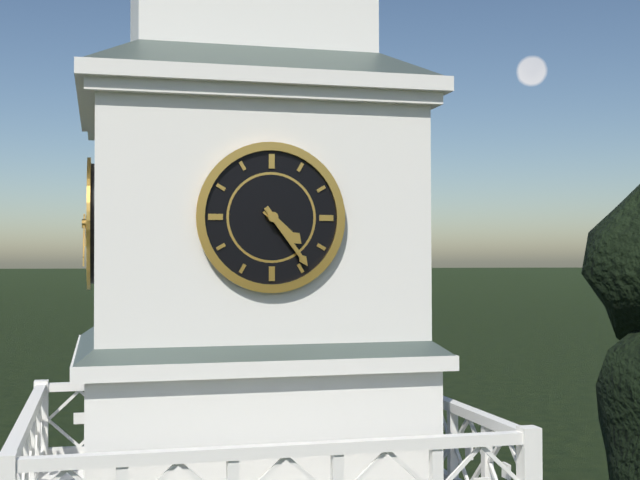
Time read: **4:24**
